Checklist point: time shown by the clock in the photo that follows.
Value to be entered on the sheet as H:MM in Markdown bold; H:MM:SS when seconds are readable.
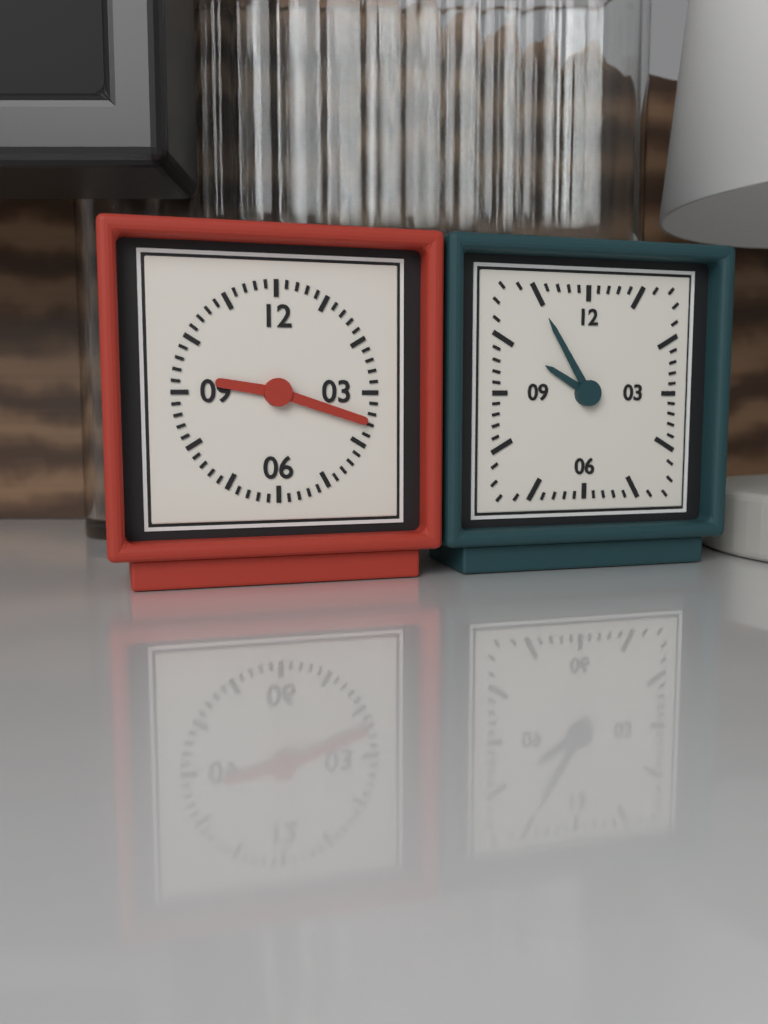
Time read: **9:18**
